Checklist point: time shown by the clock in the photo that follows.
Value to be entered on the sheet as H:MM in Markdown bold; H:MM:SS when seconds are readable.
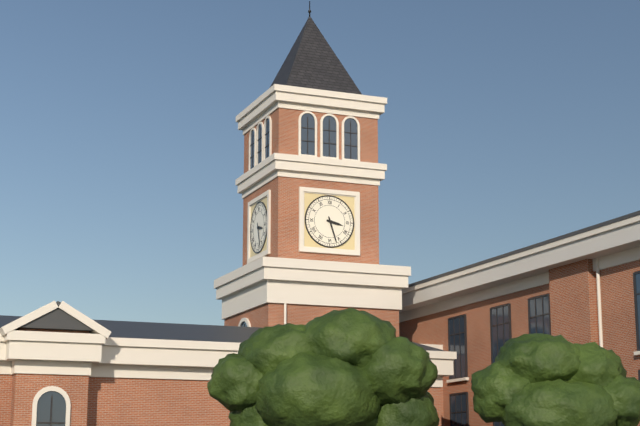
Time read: **3:27**
